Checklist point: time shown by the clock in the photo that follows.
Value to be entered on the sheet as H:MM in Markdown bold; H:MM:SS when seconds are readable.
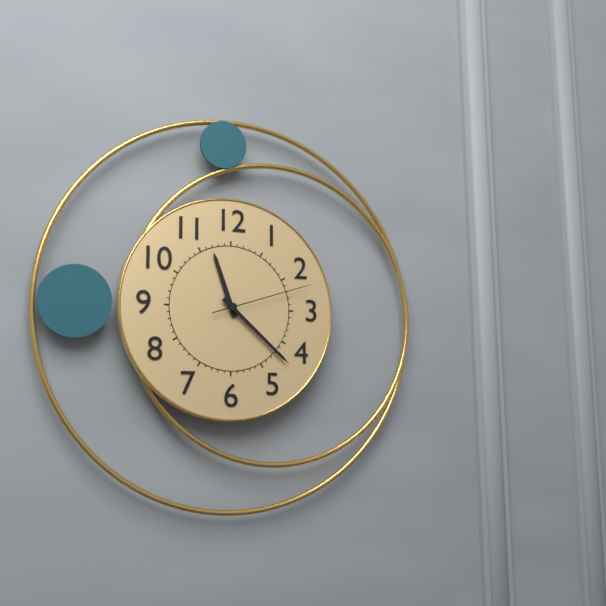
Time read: **11:22:12**
